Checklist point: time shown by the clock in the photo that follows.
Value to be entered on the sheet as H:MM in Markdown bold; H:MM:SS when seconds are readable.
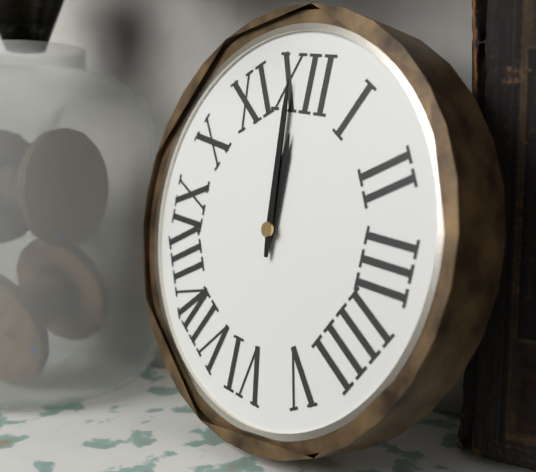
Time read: **11:59**
